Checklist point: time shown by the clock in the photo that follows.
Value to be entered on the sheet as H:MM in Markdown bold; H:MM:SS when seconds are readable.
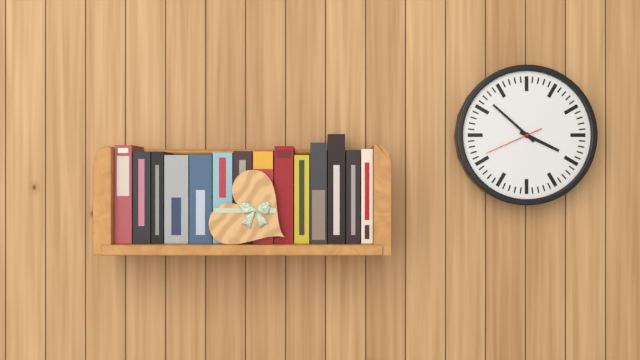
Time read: **3:52:41**
